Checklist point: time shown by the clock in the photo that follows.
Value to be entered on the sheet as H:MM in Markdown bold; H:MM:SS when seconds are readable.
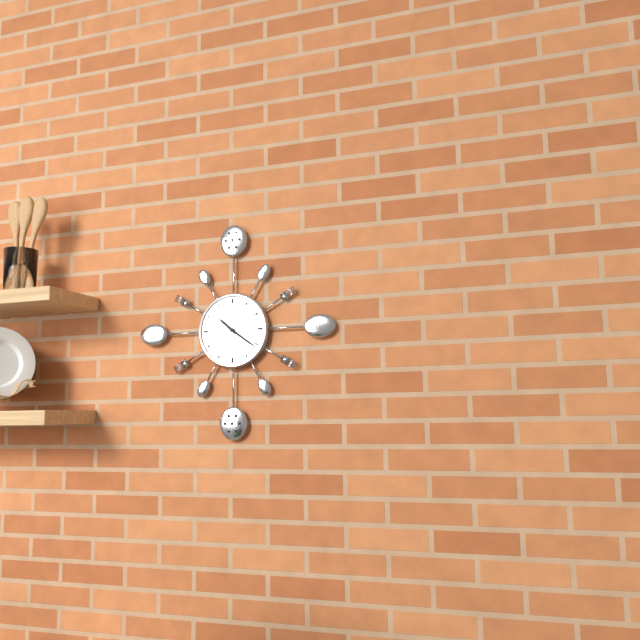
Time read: **10:21**
